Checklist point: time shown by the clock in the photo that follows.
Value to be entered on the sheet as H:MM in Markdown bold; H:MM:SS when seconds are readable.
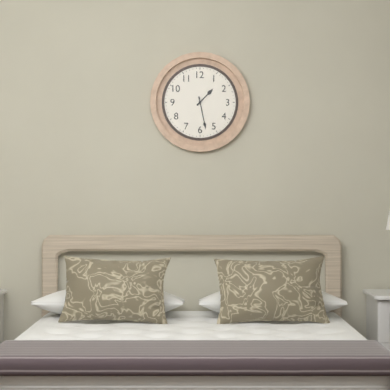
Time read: **1:28**
